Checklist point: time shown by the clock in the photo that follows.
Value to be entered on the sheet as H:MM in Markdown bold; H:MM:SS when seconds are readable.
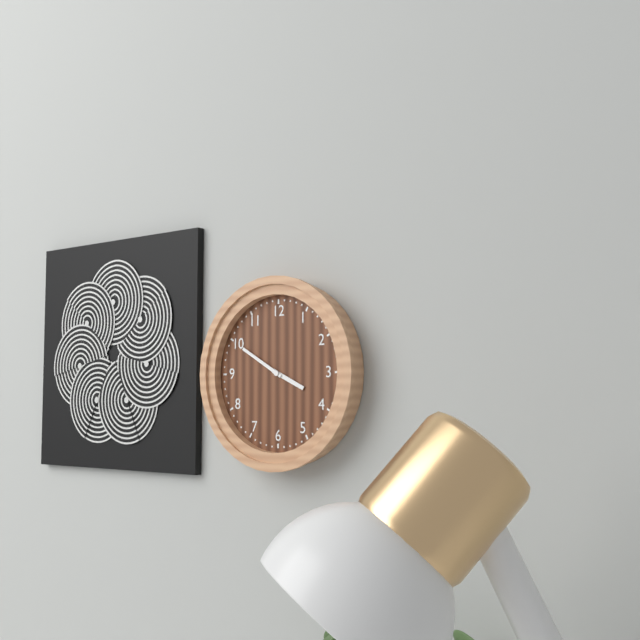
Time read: **3:50**
